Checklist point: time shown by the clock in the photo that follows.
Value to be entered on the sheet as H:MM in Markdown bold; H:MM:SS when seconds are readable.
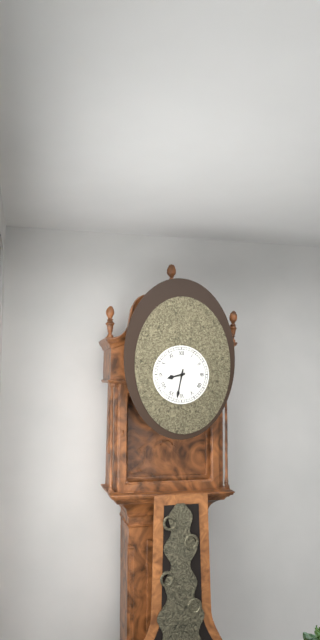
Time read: **8:32**
